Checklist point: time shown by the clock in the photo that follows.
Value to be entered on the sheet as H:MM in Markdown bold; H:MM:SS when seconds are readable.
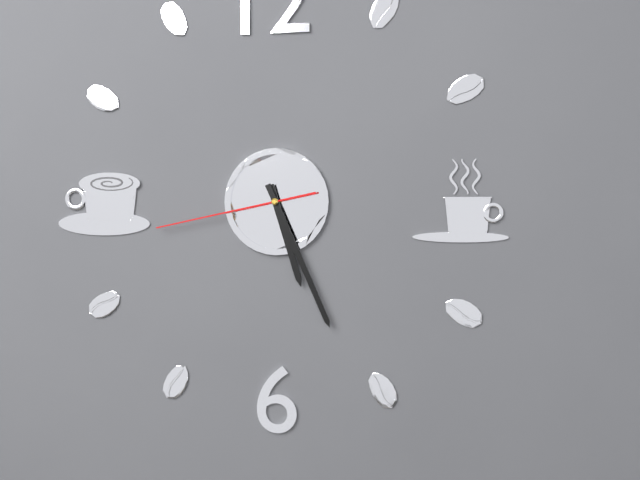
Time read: **5:26:43**
